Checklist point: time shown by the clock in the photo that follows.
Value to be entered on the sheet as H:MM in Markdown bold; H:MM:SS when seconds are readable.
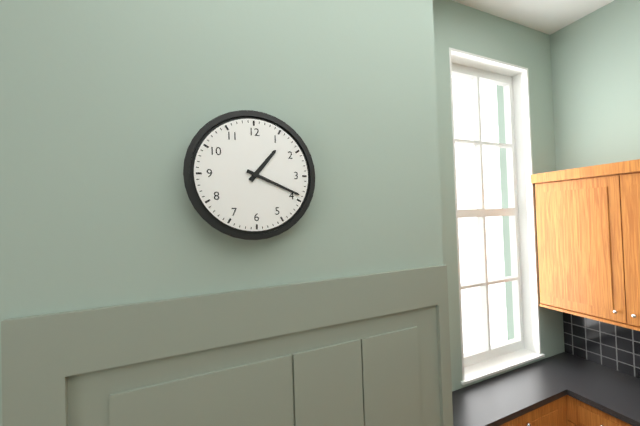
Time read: **1:19**
